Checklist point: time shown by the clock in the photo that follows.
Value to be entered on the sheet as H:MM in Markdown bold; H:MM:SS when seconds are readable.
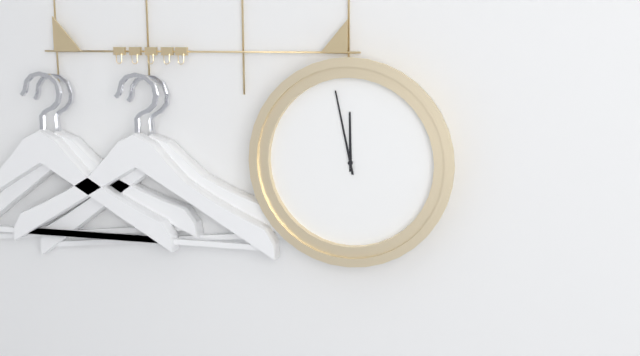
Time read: **11:58**
